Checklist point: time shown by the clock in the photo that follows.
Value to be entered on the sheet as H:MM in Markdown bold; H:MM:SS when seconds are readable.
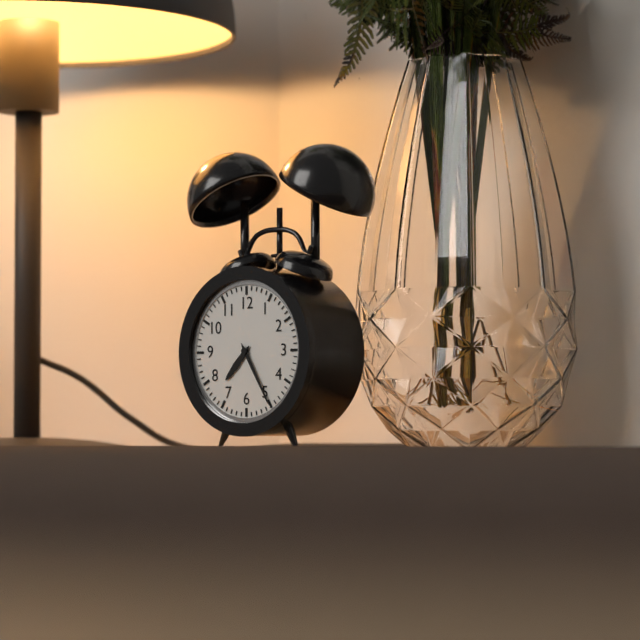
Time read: **7:25**
